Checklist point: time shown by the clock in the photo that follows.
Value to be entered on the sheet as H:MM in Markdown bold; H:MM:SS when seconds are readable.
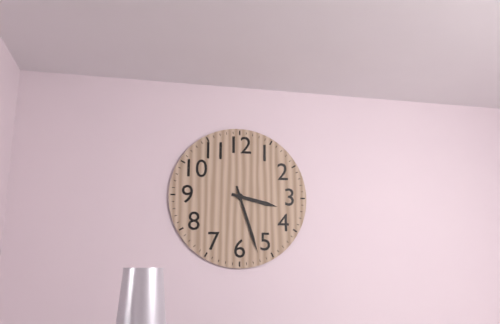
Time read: **3:27**
